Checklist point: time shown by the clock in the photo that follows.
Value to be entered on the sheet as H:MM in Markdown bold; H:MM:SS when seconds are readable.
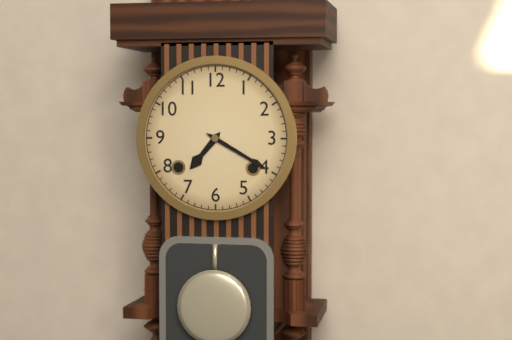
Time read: **7:20**
